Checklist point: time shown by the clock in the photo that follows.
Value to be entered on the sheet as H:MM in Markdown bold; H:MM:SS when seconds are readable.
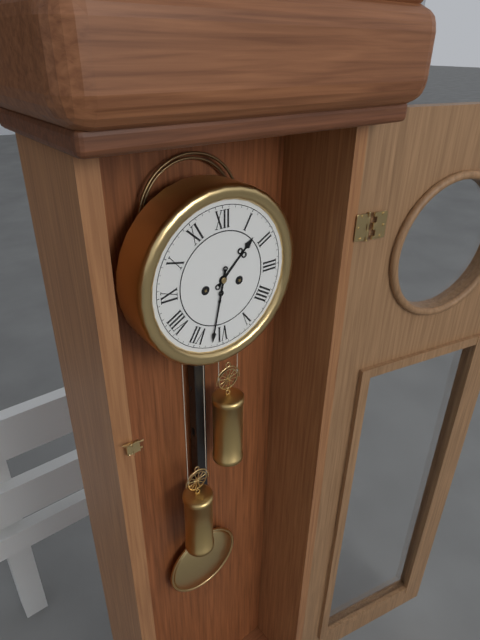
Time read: **1:32**
